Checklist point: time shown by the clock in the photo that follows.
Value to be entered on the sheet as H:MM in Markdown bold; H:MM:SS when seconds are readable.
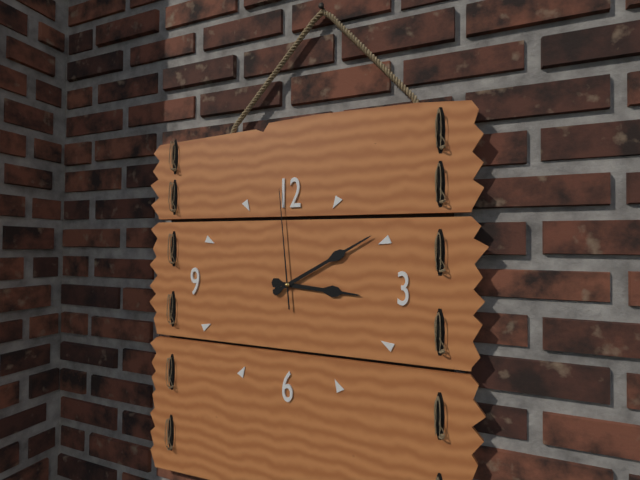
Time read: **3:10:59**
